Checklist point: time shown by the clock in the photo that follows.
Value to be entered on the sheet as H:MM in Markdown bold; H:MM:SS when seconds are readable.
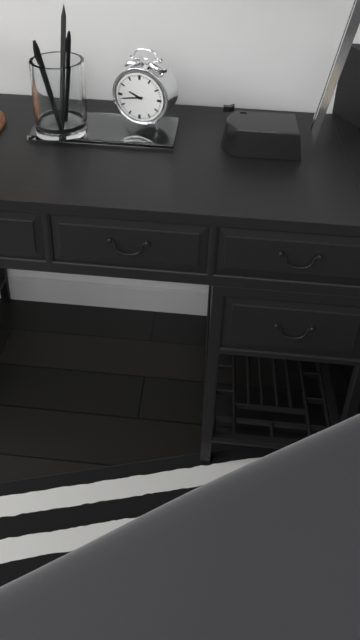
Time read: **9:43**
